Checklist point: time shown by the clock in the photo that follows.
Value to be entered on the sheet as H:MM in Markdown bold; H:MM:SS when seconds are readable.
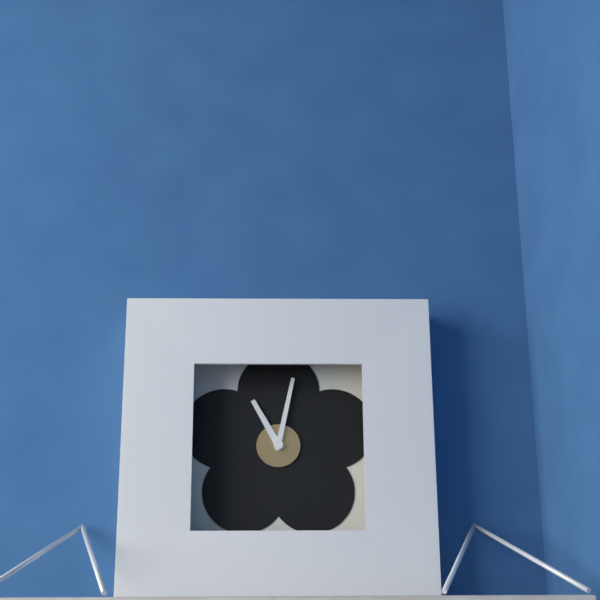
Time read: **11:02**
